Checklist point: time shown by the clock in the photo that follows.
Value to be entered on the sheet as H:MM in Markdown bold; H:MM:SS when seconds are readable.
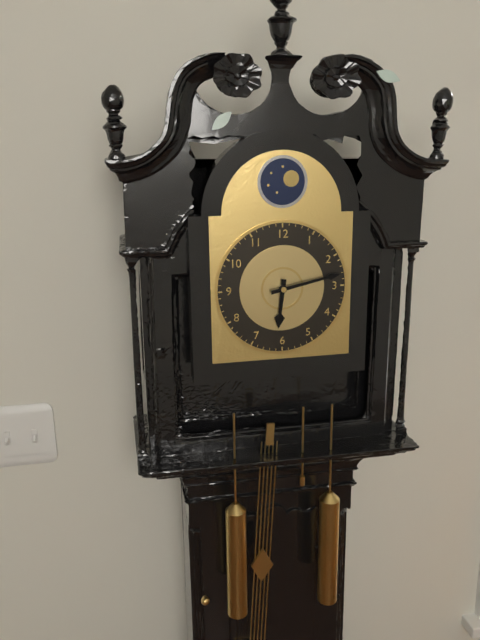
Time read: **6:13**
